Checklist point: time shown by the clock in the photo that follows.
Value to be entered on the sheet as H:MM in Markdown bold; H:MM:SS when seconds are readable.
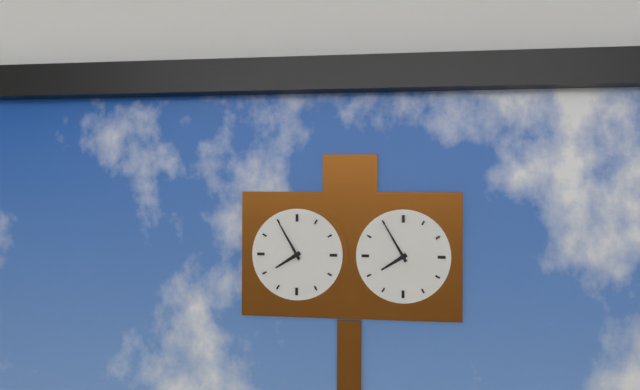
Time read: **7:55**
